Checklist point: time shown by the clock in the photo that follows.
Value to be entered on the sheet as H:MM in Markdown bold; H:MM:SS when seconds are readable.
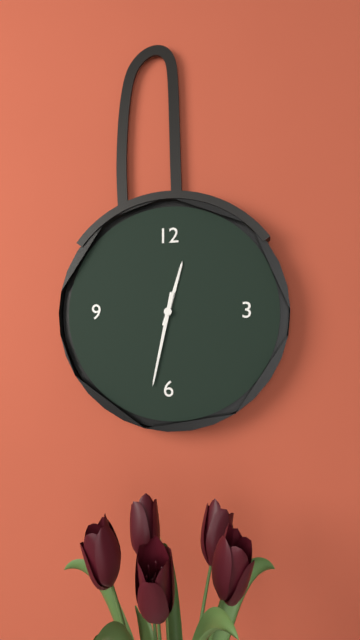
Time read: **12:32**
